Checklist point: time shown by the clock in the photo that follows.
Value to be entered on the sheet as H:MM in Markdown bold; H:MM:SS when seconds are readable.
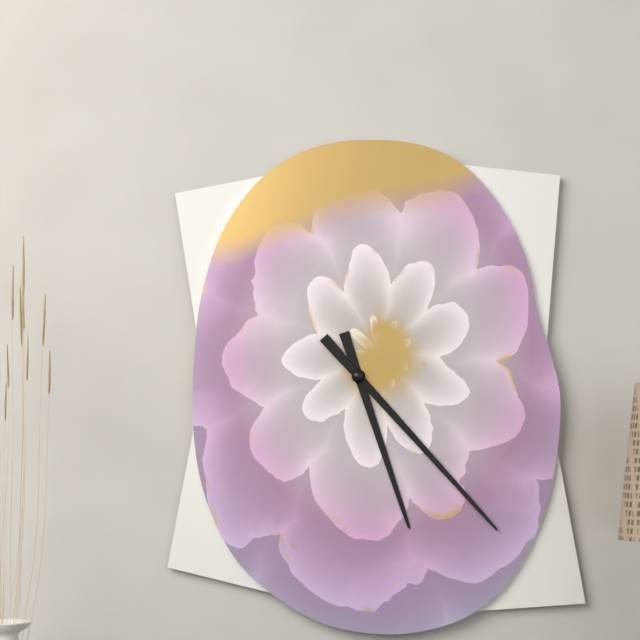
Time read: **5:23**
